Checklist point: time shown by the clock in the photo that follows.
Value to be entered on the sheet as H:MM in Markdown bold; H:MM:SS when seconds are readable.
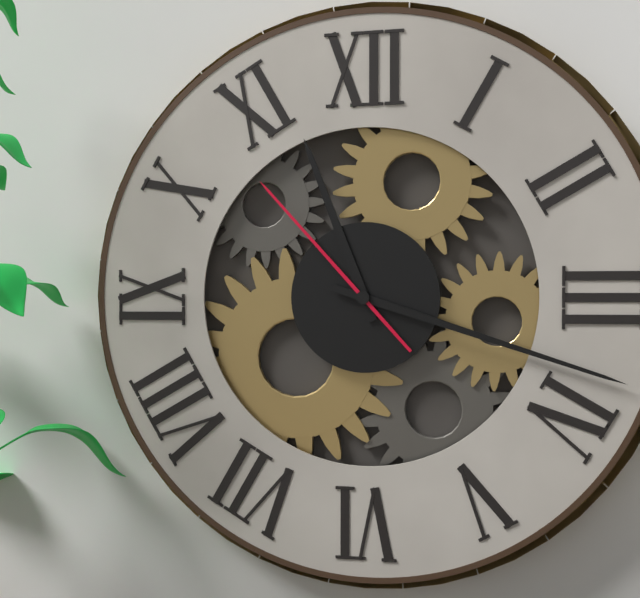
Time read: **11:18:53**
